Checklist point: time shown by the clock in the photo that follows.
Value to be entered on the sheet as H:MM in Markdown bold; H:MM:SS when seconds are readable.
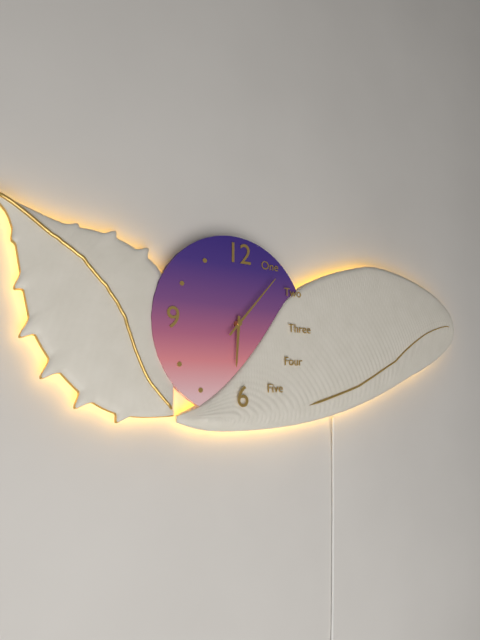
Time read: **6:07**
